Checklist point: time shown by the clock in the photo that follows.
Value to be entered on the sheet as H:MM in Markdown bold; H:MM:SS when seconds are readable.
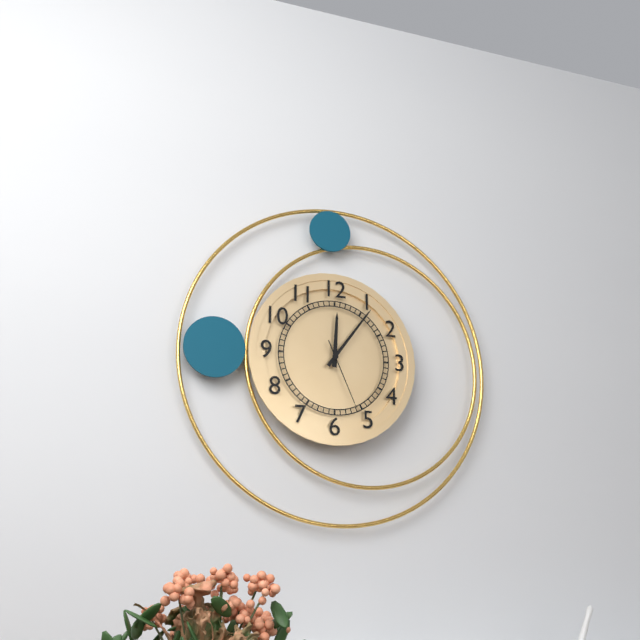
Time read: **12:06:26**
